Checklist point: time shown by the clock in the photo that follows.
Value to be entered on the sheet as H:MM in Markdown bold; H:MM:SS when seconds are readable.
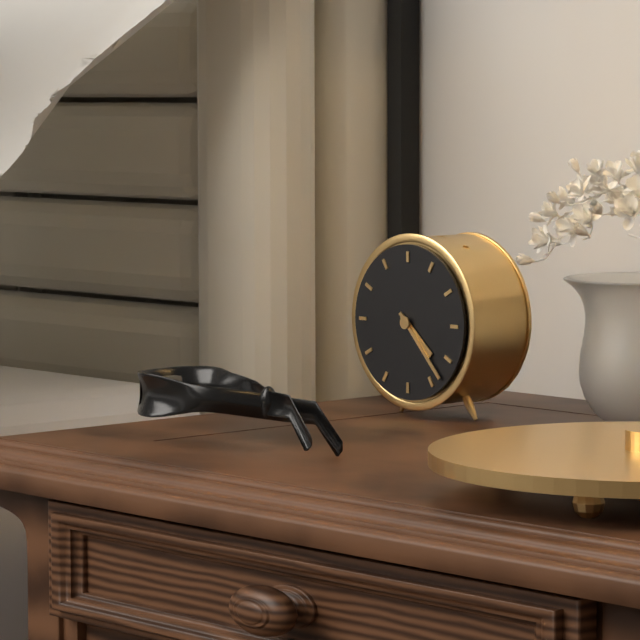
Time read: **4:23**
